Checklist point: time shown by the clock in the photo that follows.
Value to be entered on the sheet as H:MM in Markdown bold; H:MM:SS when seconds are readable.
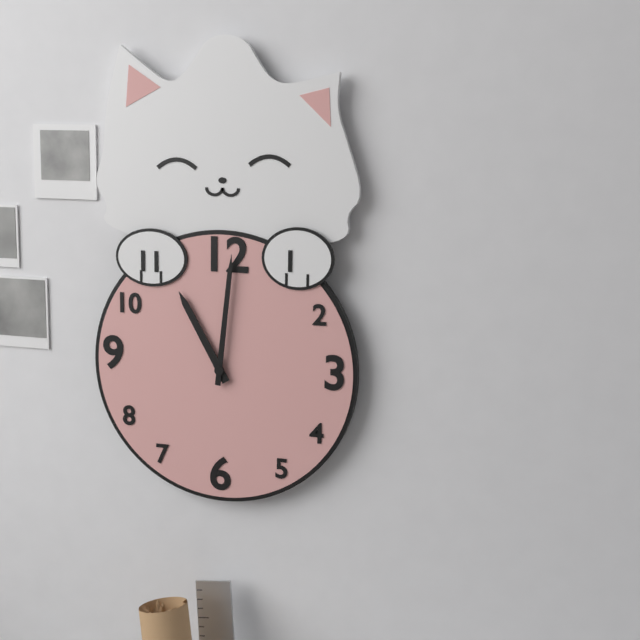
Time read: **11:01**
